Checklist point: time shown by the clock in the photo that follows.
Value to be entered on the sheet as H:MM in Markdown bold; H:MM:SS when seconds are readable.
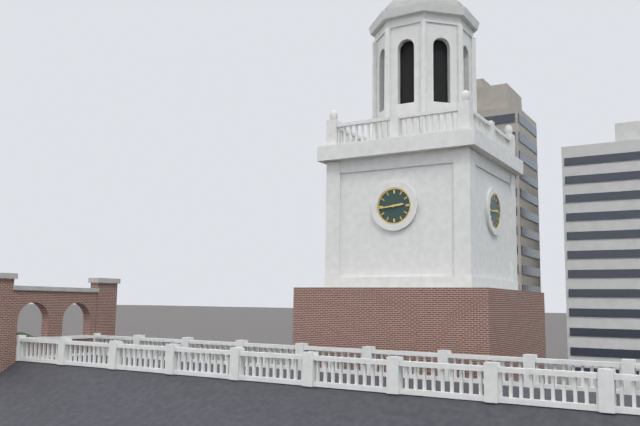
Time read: **2:44**
